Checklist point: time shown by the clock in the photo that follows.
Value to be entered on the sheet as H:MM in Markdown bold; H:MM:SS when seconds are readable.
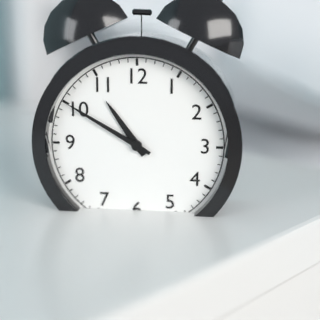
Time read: **10:50**
